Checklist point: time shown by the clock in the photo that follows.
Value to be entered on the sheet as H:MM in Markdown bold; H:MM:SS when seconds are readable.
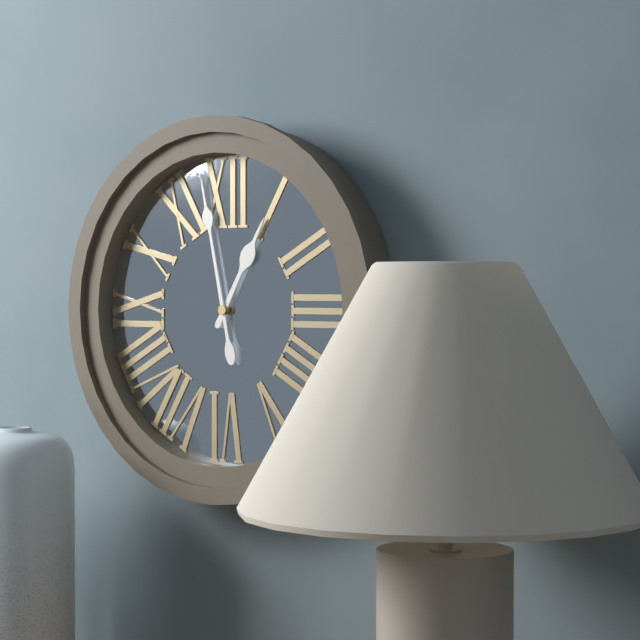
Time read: **12:58**
